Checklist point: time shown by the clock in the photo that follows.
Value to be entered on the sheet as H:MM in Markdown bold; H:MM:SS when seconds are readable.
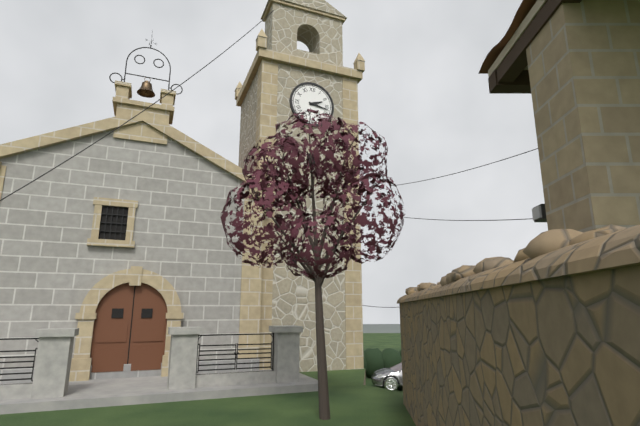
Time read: **2:17**
